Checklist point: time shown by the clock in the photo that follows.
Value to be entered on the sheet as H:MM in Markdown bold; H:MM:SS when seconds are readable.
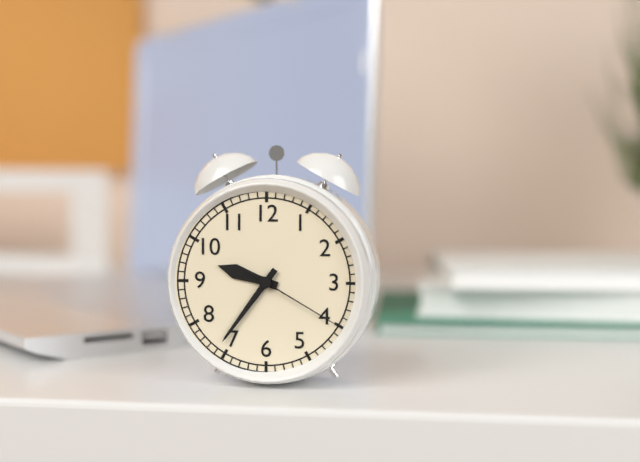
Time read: **9:36:20**
